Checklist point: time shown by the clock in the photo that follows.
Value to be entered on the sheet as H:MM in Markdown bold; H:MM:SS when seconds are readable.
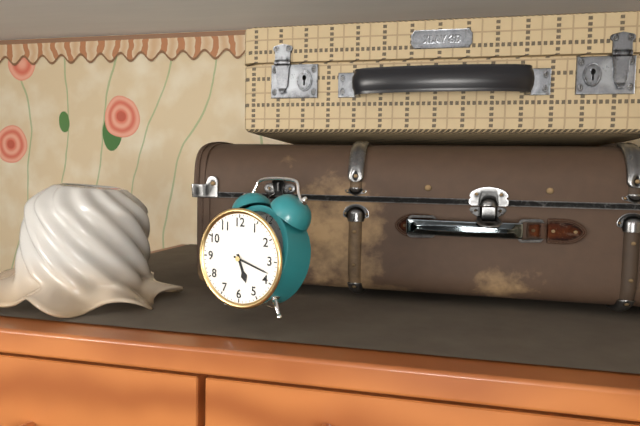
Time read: **5:18**
